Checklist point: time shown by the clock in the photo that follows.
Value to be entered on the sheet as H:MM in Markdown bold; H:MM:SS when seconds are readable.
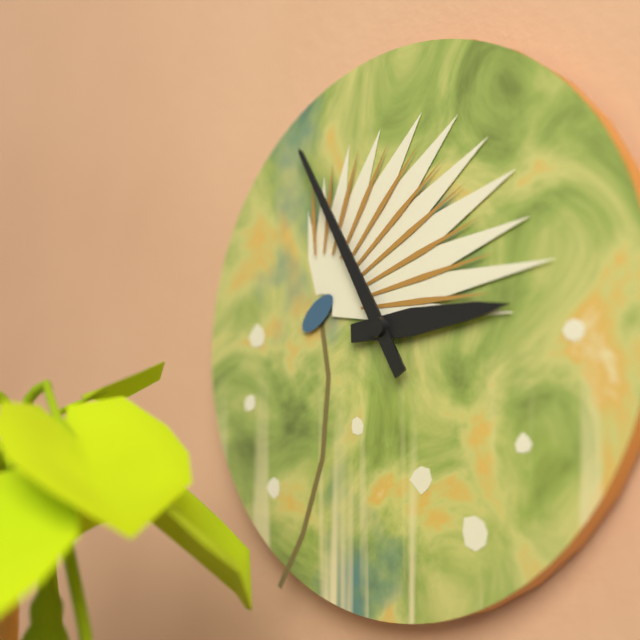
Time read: **2:55**
